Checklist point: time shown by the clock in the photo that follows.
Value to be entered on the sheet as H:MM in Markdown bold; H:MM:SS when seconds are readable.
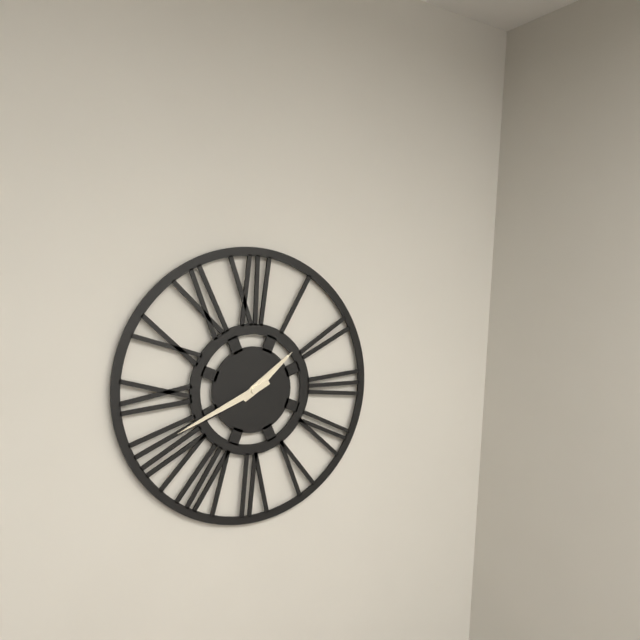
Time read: **1:41**
